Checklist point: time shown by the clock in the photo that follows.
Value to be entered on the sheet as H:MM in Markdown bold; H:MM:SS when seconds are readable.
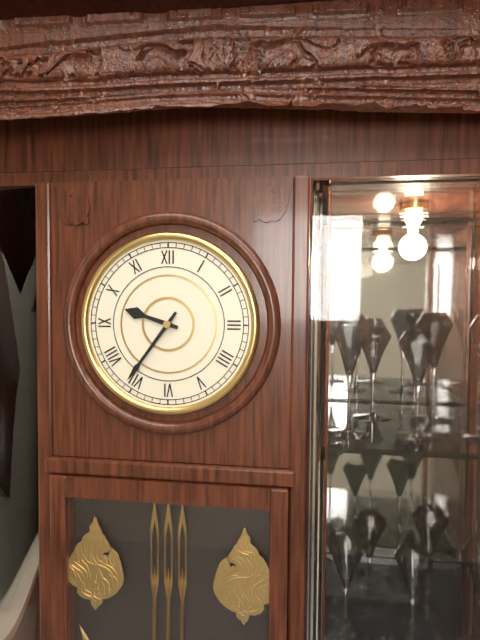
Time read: **9:36**
